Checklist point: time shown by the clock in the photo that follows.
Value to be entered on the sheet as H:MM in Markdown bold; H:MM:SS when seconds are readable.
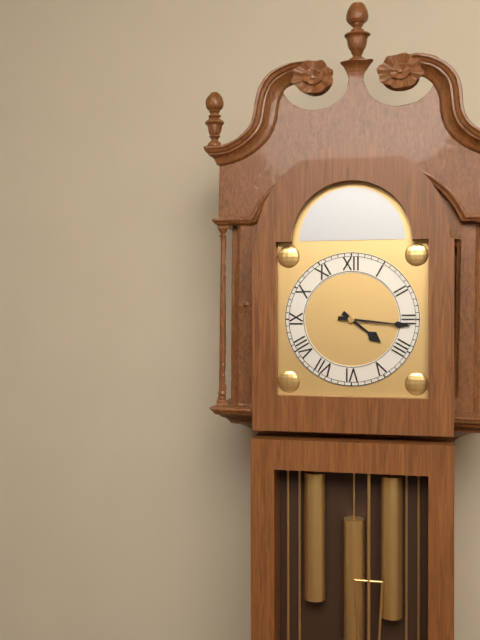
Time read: **4:16**
